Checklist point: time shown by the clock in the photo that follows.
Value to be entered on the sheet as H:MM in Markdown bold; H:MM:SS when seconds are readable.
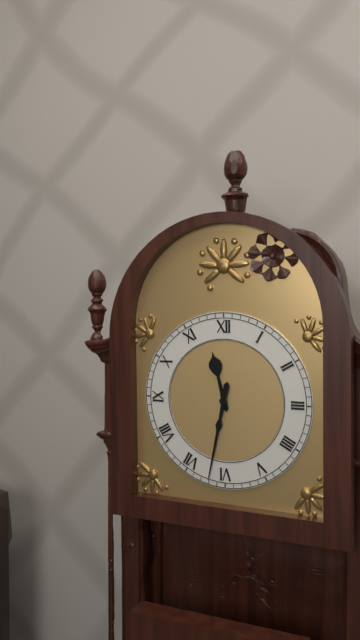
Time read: **11:32**
